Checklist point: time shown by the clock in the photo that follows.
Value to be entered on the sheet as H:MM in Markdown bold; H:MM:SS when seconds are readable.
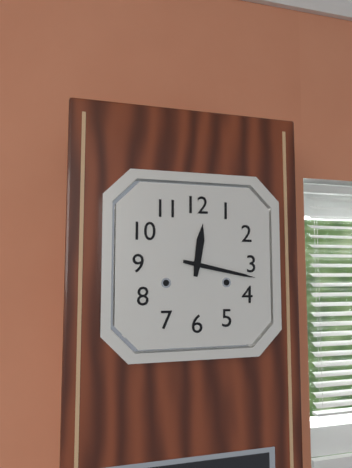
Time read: **12:17**
